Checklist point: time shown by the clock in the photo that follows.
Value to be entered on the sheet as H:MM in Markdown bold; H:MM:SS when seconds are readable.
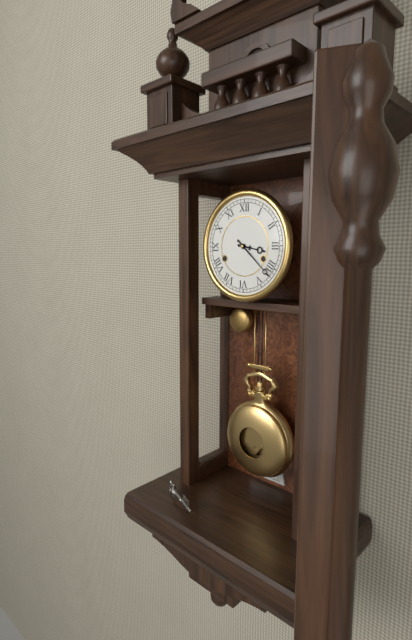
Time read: **3:22**
